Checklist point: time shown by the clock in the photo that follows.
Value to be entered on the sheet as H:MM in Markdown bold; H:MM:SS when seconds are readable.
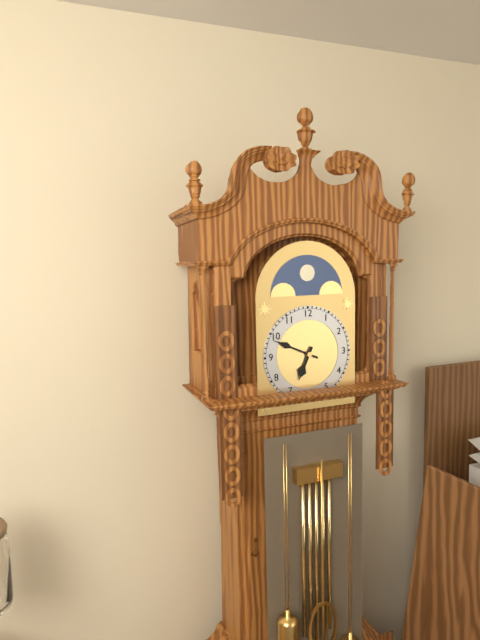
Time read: **6:49**
